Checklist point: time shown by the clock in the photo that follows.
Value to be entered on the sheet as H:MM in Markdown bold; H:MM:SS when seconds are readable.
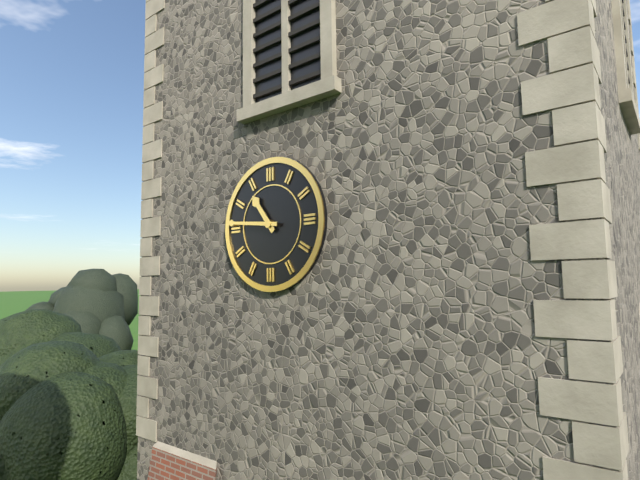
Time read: **10:46**
